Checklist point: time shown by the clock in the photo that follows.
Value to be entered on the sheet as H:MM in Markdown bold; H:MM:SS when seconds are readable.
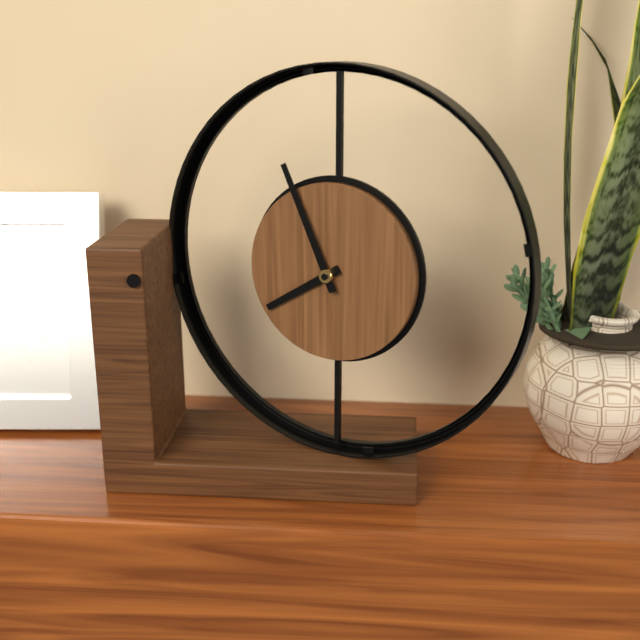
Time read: **7:56**
